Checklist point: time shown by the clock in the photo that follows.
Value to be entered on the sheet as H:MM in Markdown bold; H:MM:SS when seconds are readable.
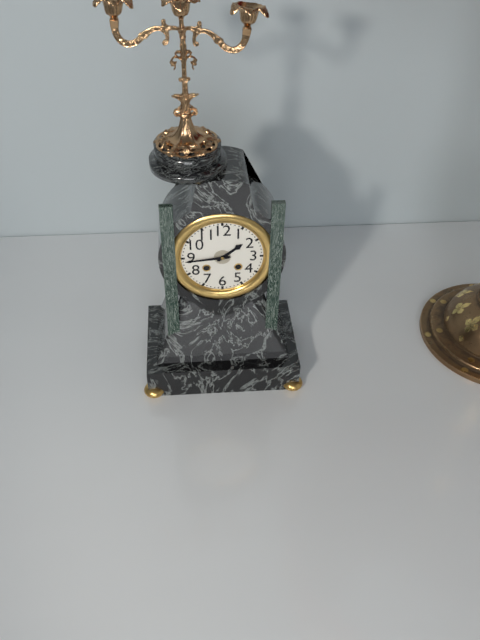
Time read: **1:44**
